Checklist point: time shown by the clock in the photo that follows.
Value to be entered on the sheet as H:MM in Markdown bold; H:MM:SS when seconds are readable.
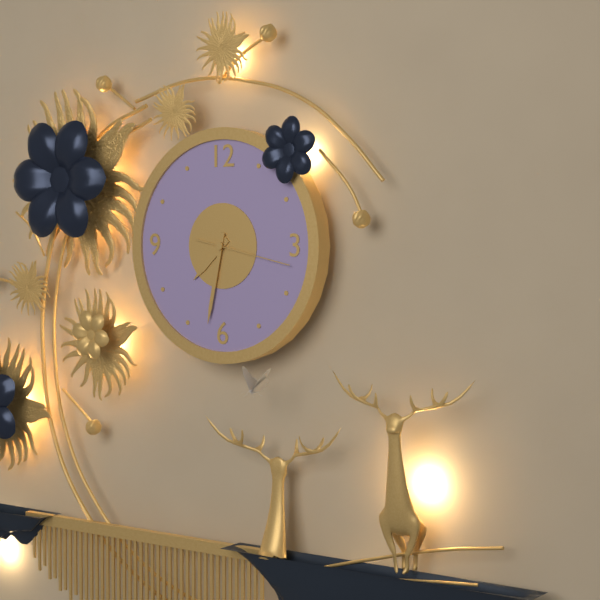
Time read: **7:32:17**
